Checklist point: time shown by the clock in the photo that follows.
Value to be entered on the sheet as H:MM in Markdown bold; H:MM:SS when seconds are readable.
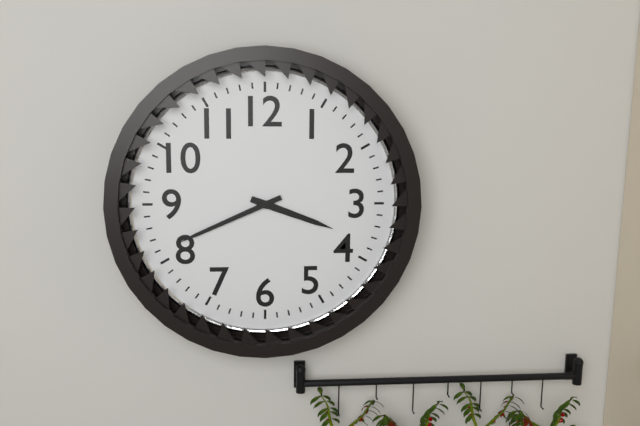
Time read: **3:41**
